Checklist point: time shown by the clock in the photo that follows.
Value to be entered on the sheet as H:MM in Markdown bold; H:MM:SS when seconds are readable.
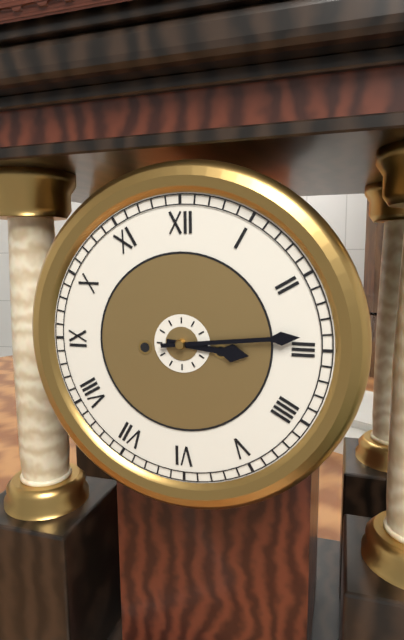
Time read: **3:14**
